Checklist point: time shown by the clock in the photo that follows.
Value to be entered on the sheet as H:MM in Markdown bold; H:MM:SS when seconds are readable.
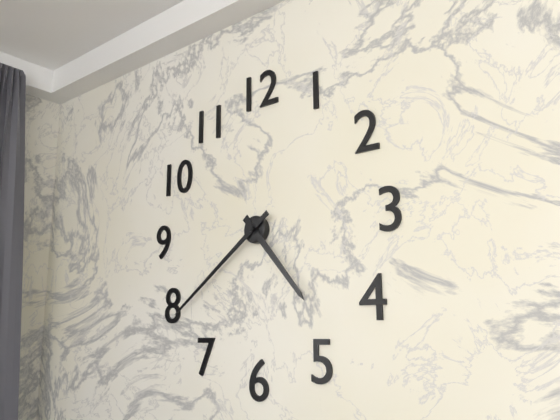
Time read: **4:39**
